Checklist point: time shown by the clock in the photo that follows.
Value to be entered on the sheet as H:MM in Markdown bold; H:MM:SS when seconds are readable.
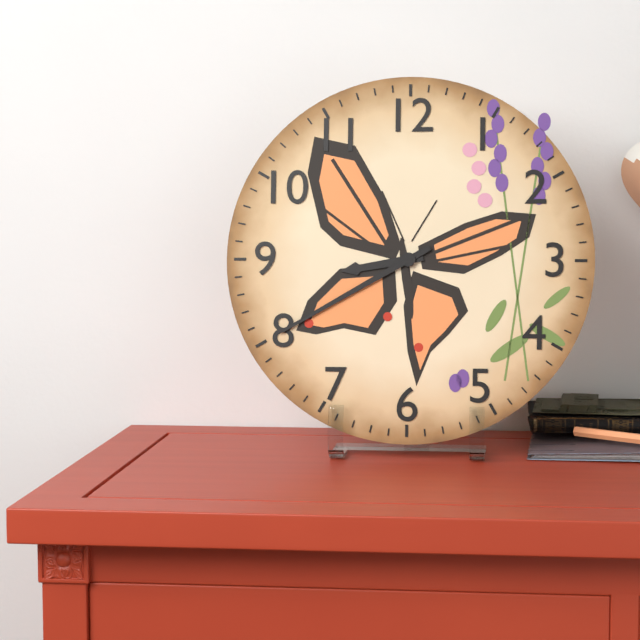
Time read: **8:40**
